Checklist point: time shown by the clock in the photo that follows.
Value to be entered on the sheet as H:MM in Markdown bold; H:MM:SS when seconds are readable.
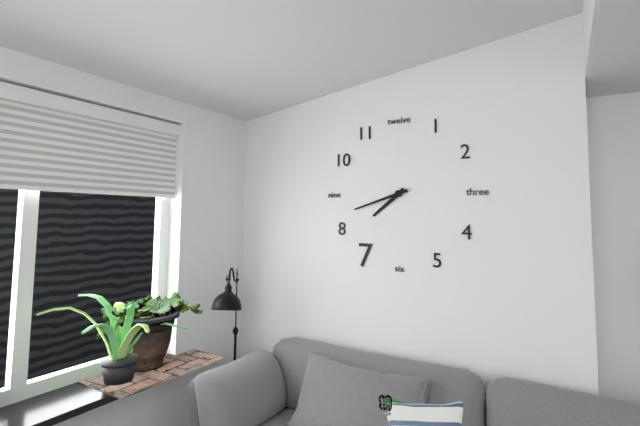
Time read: **7:42**
